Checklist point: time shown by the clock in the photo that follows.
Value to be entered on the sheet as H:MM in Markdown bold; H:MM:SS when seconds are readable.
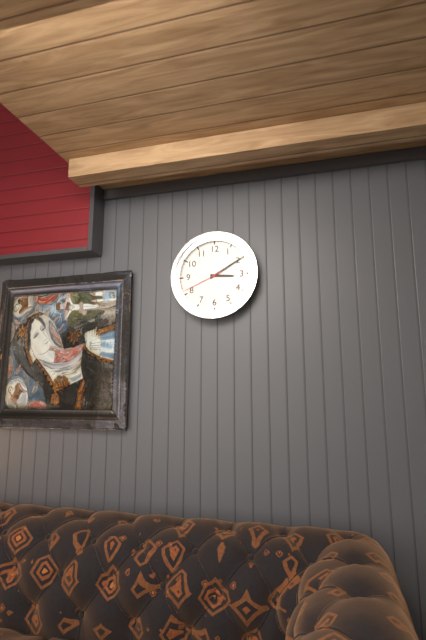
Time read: **3:10**
